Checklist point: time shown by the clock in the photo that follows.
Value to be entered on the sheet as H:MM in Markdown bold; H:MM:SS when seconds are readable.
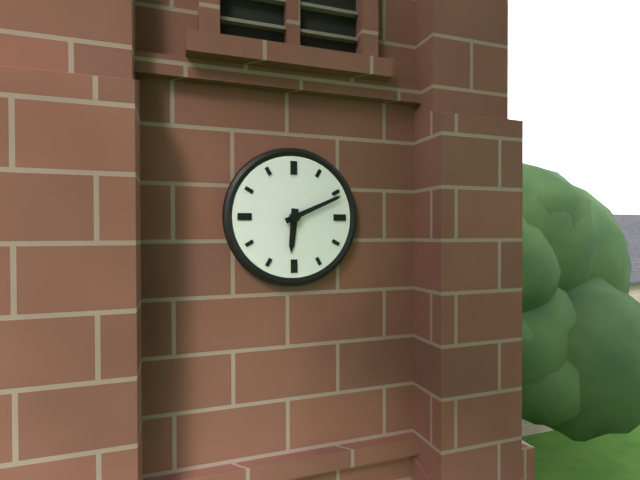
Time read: **6:11**
